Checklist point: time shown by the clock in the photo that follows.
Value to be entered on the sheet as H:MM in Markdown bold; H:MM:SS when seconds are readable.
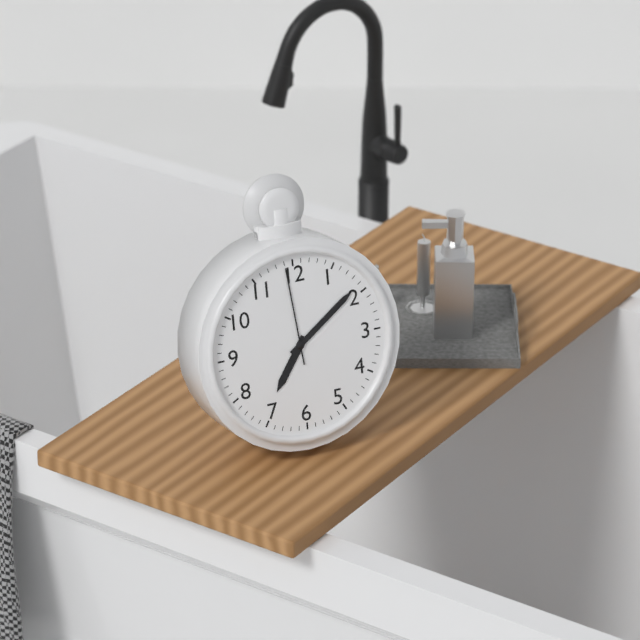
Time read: **7:09:59**
